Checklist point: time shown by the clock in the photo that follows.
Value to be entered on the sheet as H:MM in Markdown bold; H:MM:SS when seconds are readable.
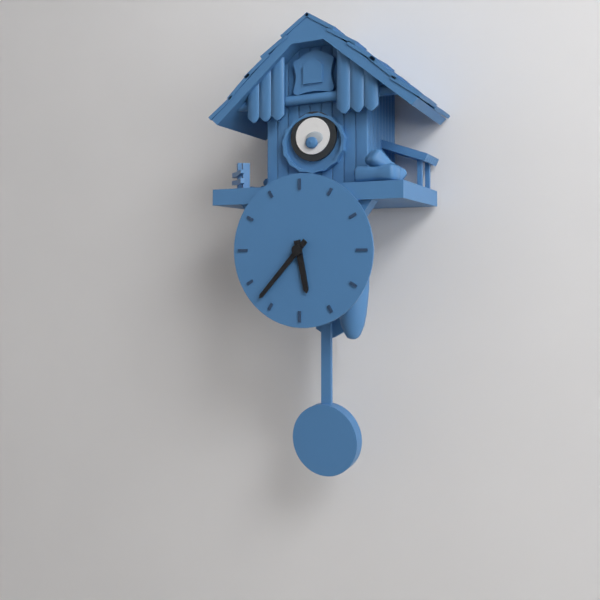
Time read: **5:37**
